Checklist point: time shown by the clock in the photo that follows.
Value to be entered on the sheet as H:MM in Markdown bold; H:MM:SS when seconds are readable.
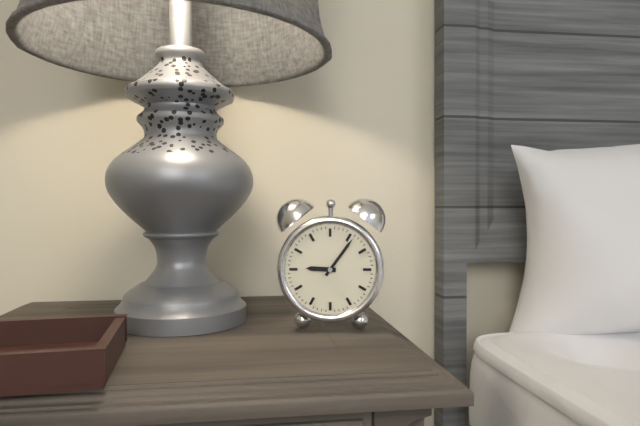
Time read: **9:06**
